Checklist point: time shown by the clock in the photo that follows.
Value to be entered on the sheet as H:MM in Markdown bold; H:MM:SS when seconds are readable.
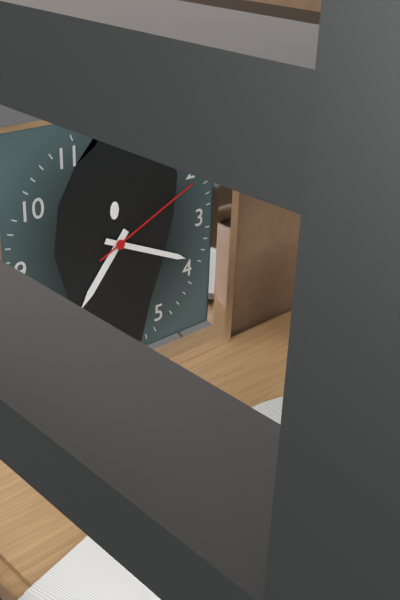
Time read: **7:19:11**
